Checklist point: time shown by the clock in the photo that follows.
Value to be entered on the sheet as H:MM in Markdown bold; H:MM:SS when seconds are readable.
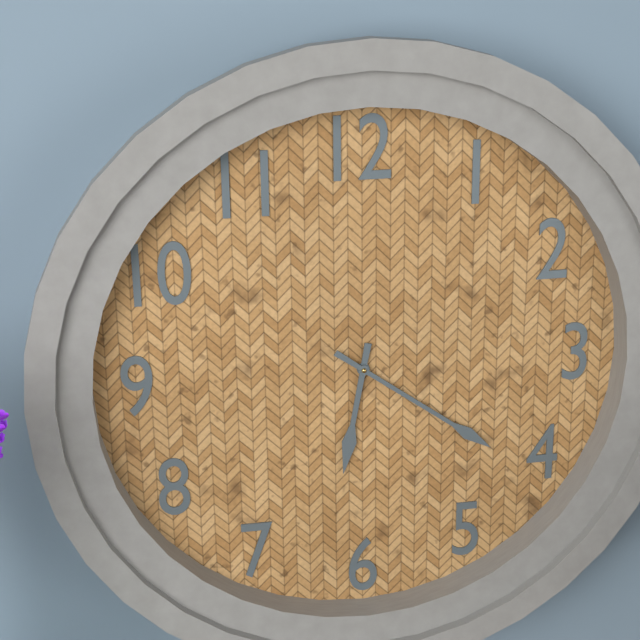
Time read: **6:21**
